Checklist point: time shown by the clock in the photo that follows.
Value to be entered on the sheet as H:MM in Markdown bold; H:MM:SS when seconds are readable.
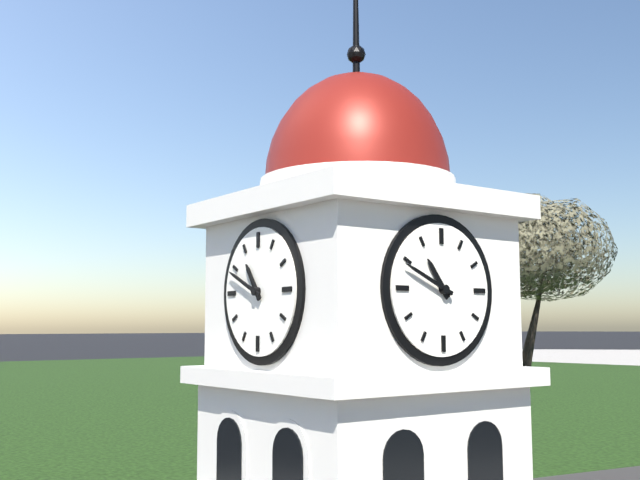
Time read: **10:49**
